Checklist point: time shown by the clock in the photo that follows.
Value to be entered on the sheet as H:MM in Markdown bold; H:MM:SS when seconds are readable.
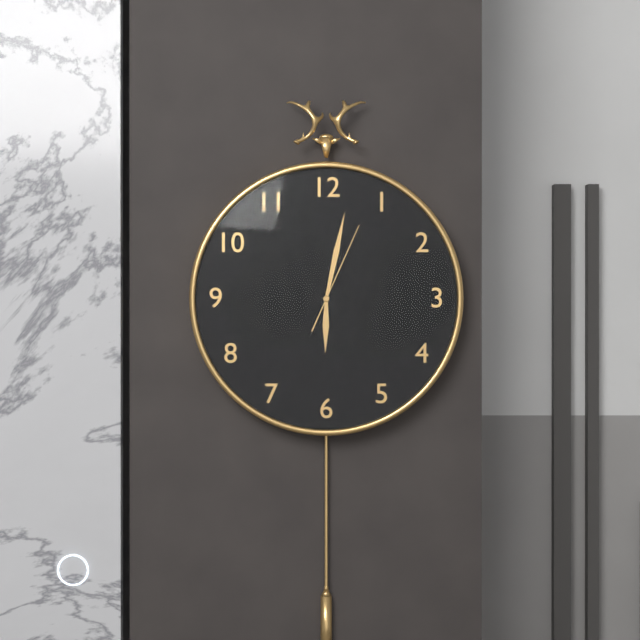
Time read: **6:02:04**
